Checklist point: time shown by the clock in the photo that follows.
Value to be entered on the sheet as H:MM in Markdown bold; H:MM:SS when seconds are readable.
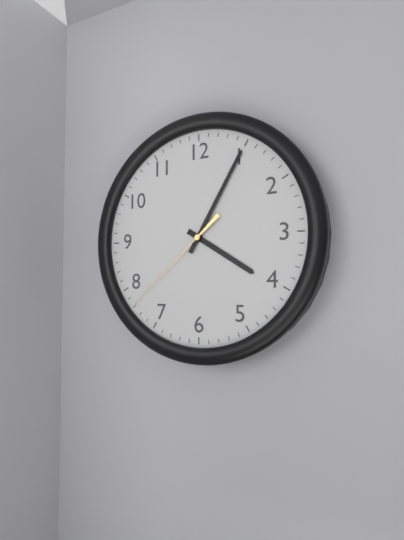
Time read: **4:05:38**
